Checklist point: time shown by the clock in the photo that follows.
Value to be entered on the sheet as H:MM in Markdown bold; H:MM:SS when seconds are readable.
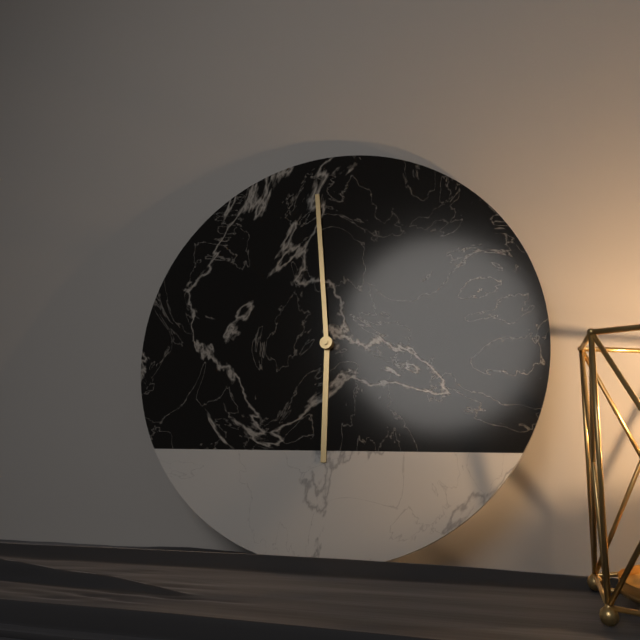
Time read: **5:59**
